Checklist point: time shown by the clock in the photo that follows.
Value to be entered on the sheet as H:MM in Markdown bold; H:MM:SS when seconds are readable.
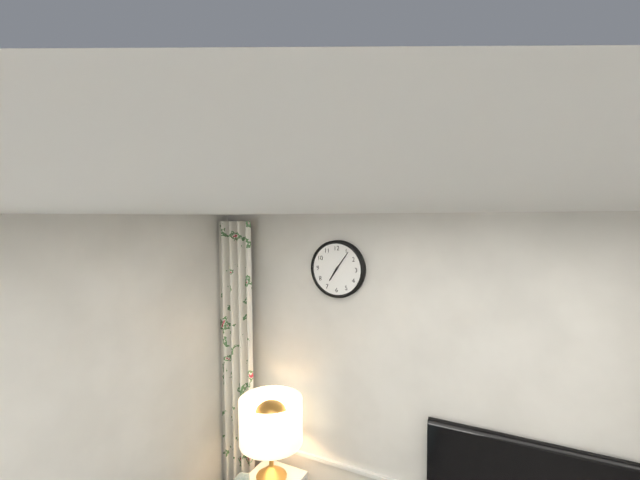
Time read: **7:06**
